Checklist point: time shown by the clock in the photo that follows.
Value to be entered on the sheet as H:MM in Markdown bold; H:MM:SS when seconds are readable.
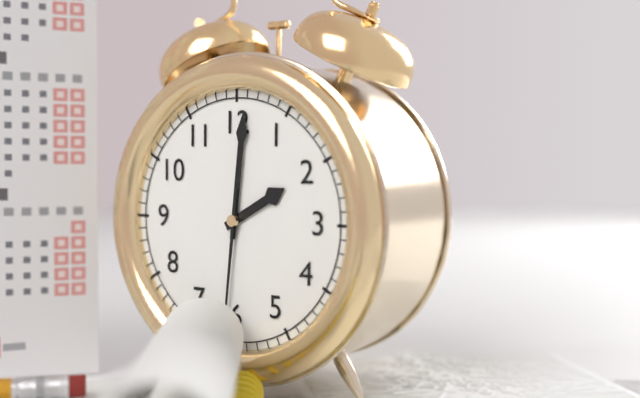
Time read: **2:01:31**
